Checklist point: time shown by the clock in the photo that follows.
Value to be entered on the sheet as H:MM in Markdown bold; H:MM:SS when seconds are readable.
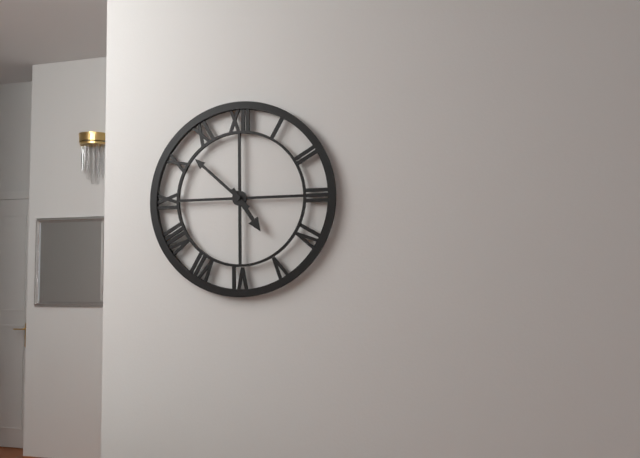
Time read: **4:52**
